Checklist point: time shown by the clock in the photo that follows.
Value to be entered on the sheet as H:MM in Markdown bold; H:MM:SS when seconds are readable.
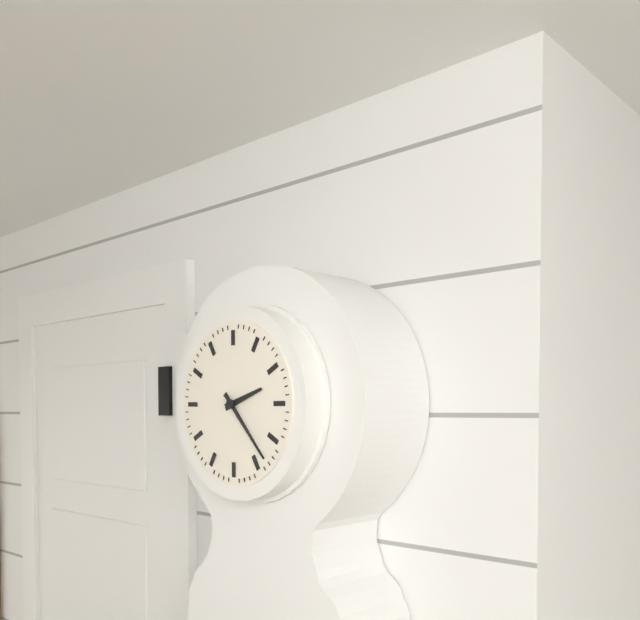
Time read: **2:23**
